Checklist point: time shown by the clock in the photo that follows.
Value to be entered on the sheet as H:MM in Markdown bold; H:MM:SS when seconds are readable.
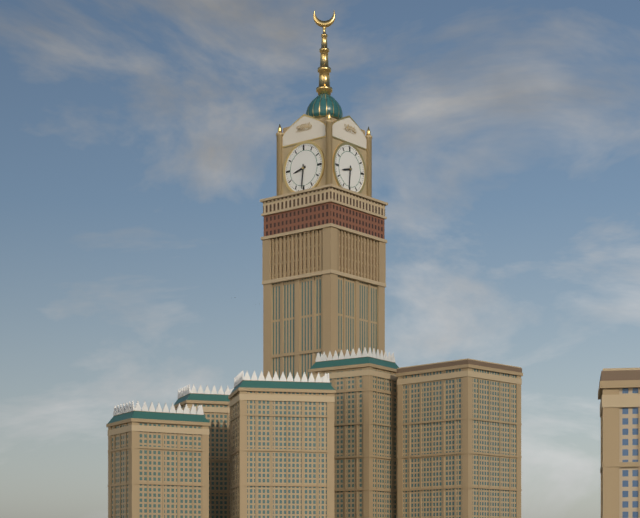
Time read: **8:31**
